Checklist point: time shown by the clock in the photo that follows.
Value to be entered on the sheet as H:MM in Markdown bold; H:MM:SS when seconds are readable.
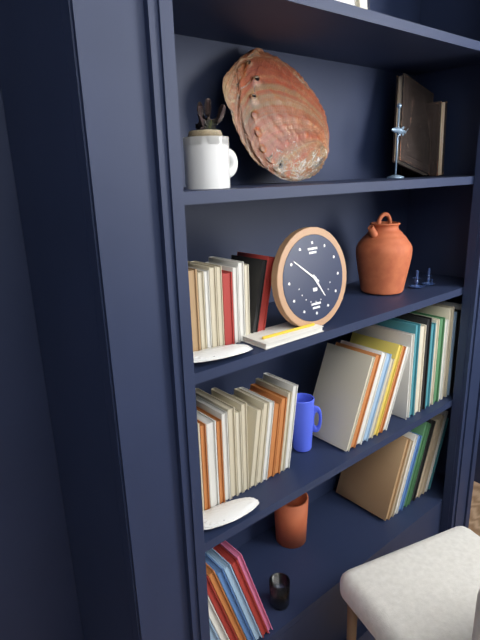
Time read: **4:51**
